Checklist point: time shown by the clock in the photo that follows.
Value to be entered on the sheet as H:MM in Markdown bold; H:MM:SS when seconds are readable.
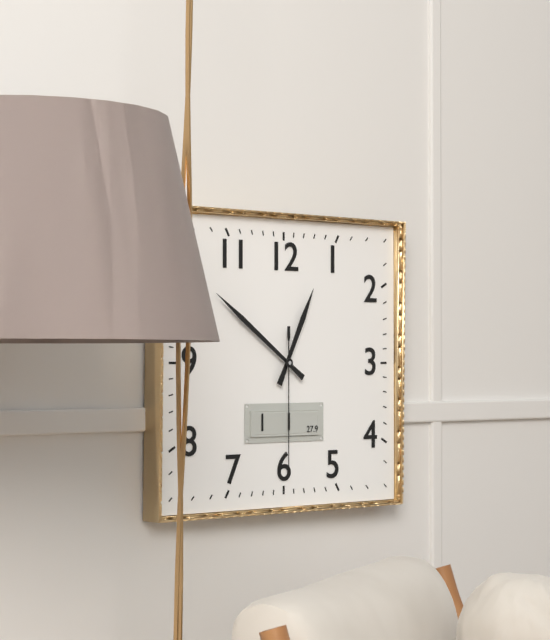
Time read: **12:51:30**
